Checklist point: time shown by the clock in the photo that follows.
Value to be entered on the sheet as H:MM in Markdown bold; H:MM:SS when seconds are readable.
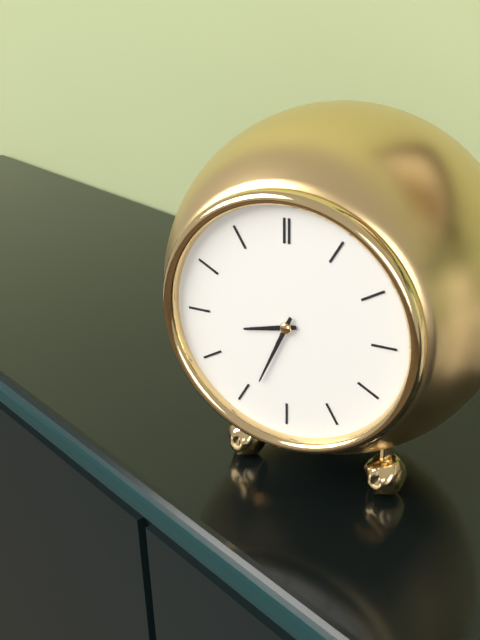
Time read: **8:34**
